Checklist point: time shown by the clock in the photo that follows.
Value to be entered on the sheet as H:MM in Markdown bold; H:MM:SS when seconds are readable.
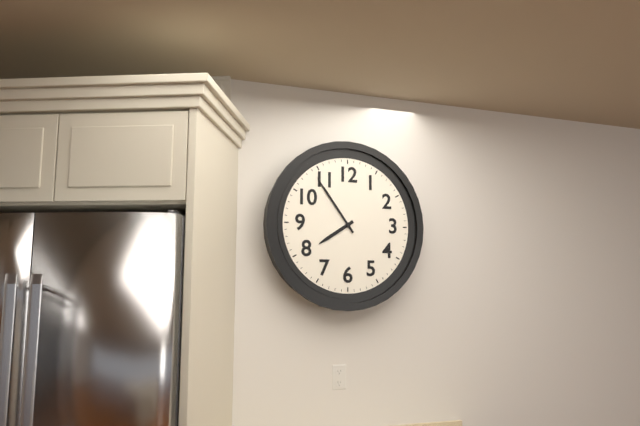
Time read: **7:54**
